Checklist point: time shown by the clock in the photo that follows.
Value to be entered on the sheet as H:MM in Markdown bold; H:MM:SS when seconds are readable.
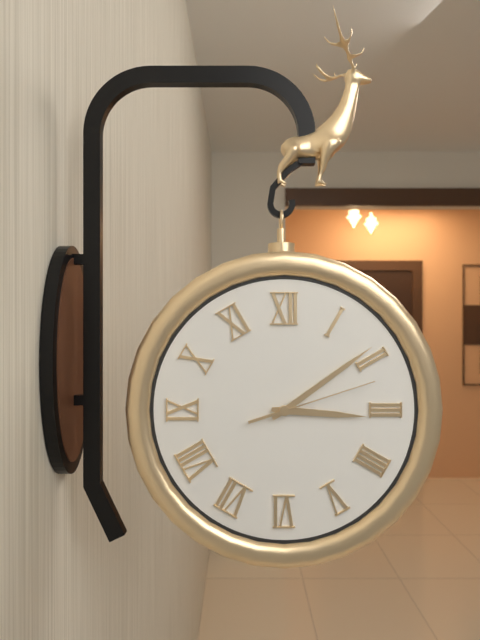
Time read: **3:09:12**
